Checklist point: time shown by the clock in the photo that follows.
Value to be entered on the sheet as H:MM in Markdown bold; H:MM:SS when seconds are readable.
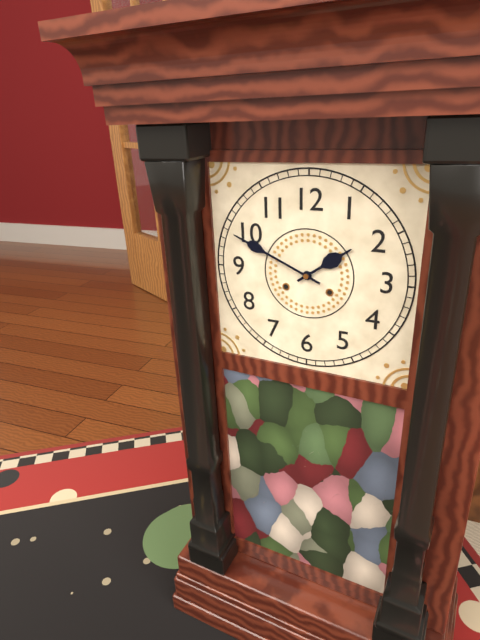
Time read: **1:49**
